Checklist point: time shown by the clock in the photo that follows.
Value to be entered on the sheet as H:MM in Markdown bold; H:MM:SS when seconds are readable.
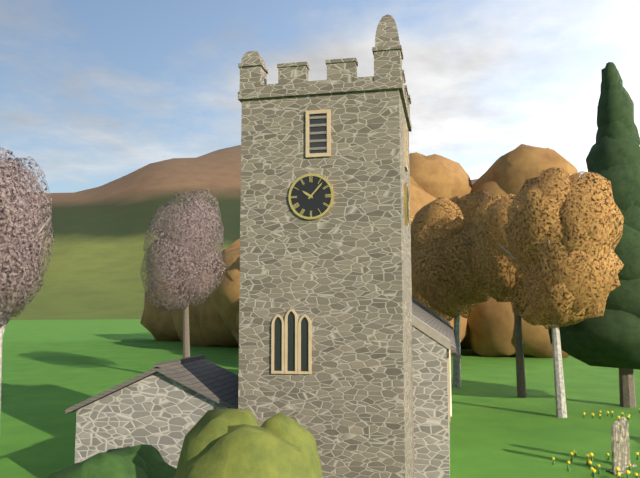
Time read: **10:07**
